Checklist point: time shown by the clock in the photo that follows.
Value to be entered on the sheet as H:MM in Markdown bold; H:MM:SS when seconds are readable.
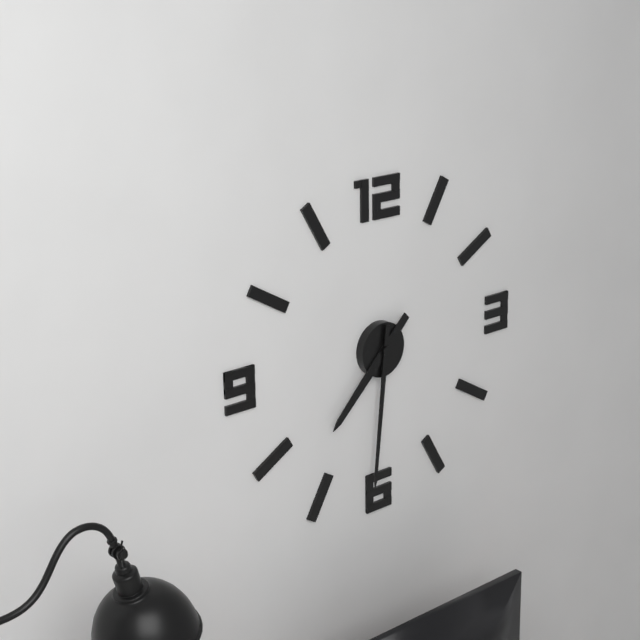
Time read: **7:31**
